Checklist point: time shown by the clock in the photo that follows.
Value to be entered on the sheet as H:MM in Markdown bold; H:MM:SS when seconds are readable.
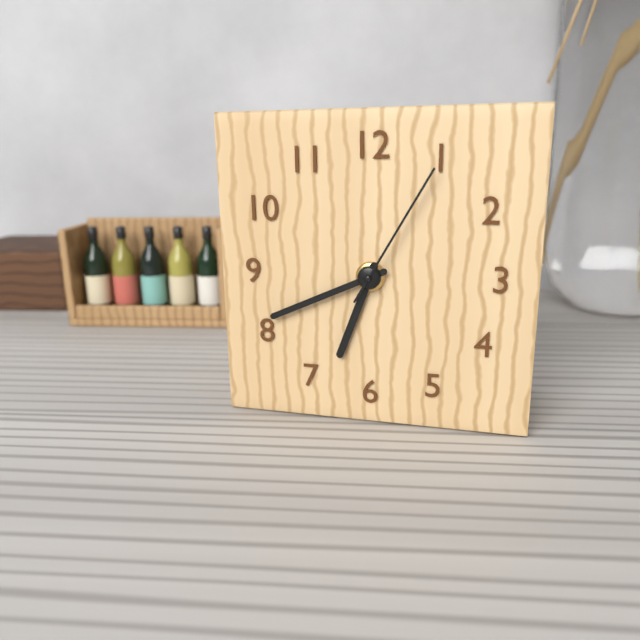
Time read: **6:41:05**
